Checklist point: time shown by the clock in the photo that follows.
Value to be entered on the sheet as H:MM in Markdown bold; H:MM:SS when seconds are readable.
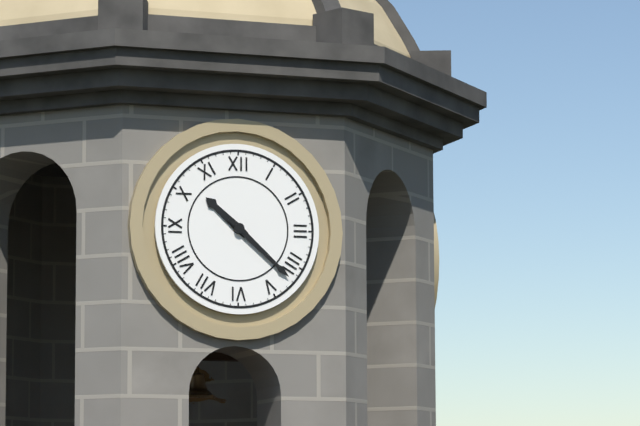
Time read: **10:22**
